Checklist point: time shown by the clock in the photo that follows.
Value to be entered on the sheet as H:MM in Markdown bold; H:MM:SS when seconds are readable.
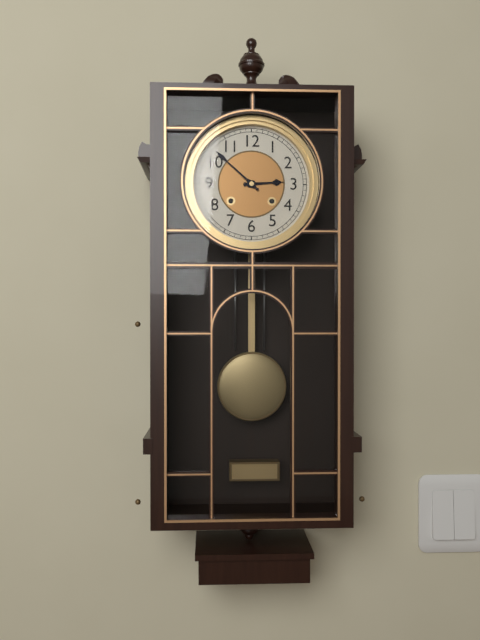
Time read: **2:52**
